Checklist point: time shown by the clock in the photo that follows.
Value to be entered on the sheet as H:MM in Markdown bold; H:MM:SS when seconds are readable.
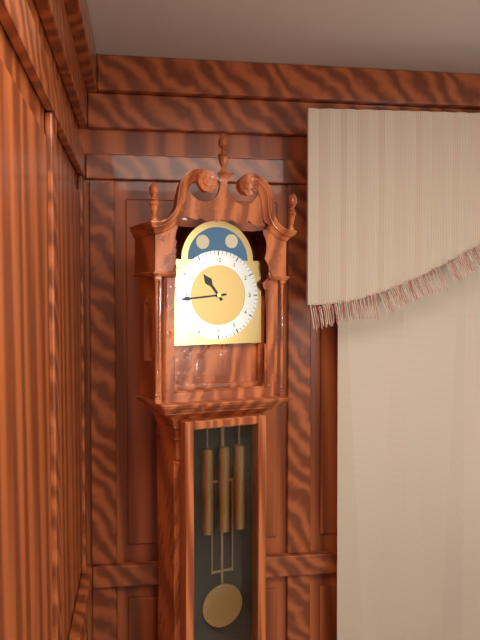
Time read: **10:44**
